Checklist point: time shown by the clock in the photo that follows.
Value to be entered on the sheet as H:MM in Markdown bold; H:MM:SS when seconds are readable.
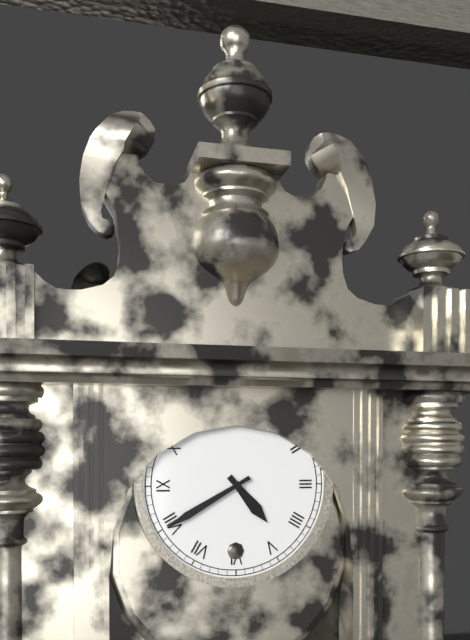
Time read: **4:40**
